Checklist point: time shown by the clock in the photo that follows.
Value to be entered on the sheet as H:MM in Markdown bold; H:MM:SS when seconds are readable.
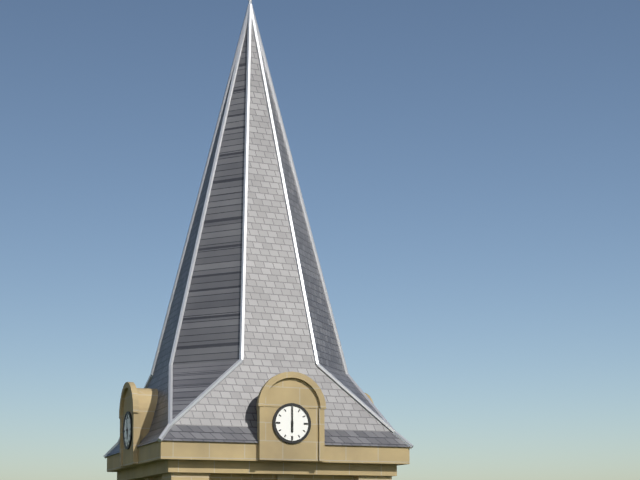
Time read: **6:00**
